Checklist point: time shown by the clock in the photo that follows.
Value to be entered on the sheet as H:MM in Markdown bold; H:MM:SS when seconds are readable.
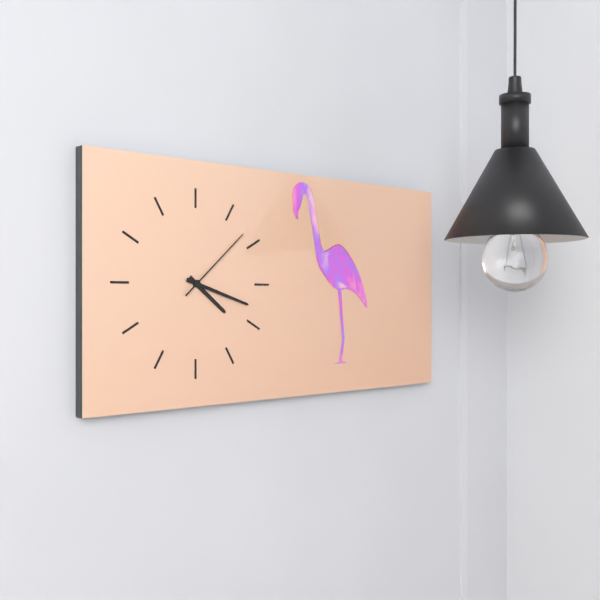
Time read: **4:18:08**
